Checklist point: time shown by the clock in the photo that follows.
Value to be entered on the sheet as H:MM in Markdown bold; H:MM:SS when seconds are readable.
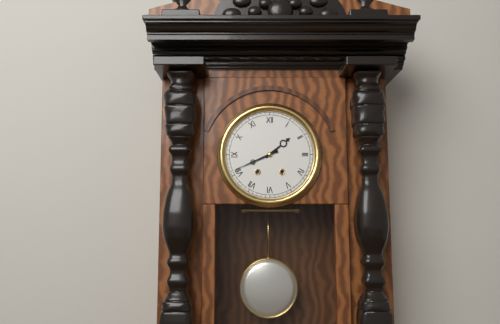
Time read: **1:41**
